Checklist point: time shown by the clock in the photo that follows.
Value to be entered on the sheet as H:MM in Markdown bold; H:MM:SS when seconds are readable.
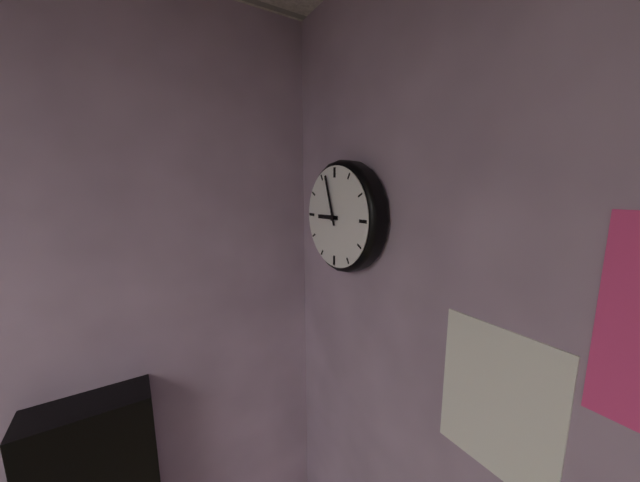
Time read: **8:57**
